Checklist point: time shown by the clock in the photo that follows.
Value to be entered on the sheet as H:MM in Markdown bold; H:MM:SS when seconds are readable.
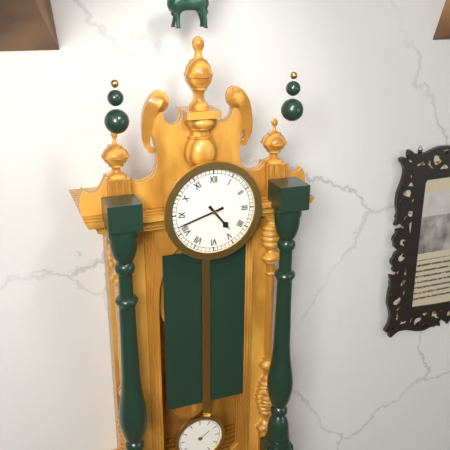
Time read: **4:42**
